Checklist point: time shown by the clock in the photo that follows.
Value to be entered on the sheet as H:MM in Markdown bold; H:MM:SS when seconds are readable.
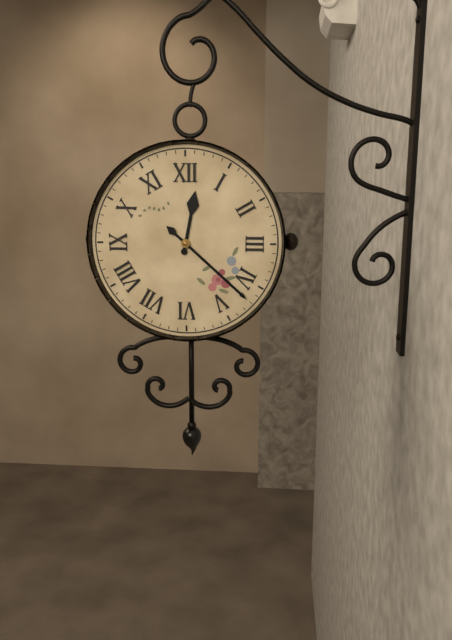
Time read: **12:22**
